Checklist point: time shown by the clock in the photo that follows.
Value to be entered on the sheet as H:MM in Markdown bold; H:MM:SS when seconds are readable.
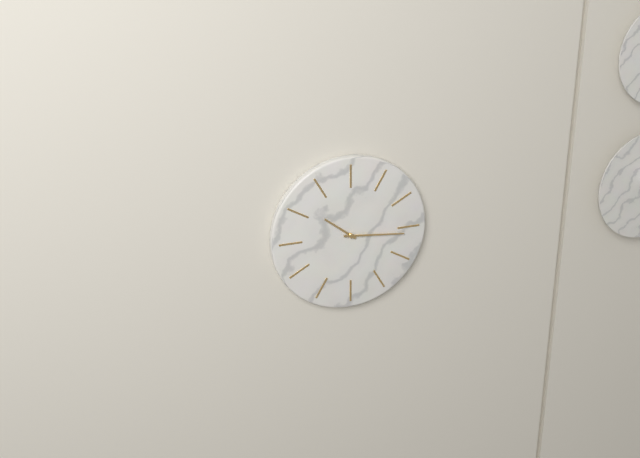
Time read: **10:16**
